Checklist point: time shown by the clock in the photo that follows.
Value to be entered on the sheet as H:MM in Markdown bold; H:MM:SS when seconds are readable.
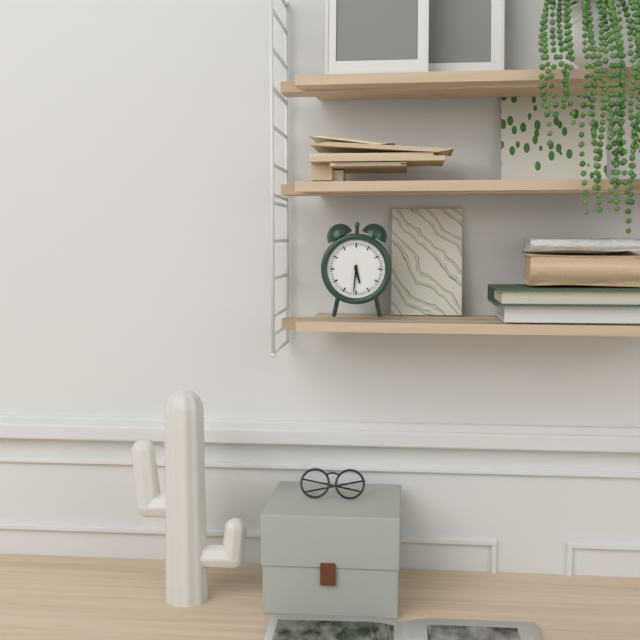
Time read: **5:31**
